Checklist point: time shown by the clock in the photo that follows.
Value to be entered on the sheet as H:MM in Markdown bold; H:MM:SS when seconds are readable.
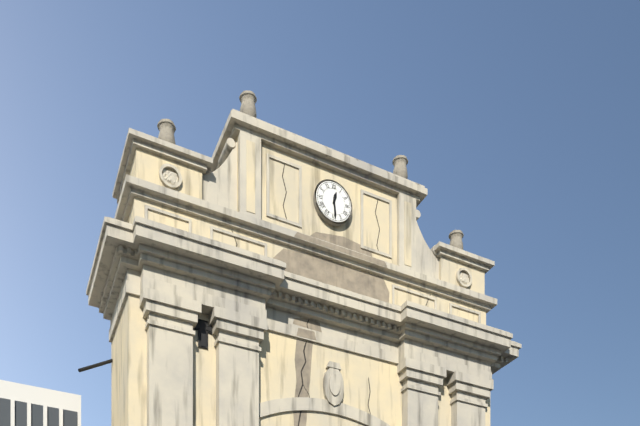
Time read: **12:29**
